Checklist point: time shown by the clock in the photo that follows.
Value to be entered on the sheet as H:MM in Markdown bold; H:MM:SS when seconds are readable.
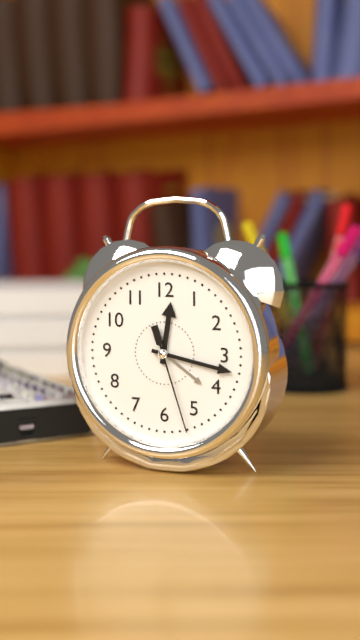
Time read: **12:17:27**
